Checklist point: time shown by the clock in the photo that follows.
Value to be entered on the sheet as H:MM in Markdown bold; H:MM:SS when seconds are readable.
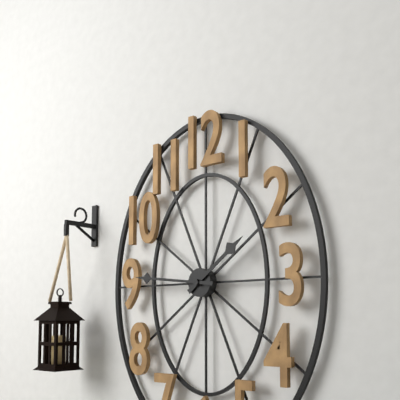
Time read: **1:46**
